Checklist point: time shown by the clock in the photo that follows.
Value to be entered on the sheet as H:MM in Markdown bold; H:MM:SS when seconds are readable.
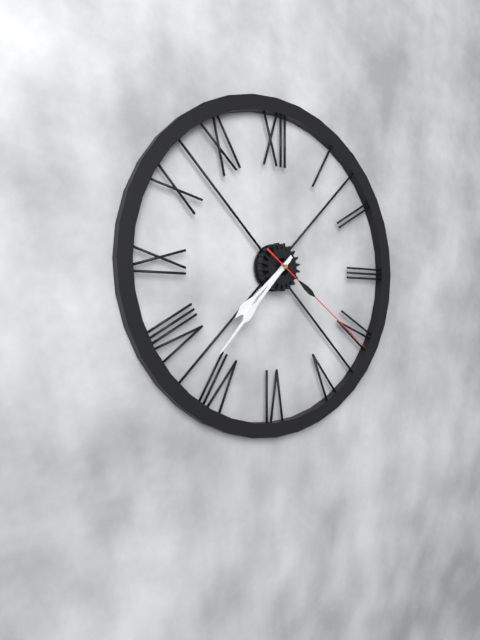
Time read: **7:37:21**
